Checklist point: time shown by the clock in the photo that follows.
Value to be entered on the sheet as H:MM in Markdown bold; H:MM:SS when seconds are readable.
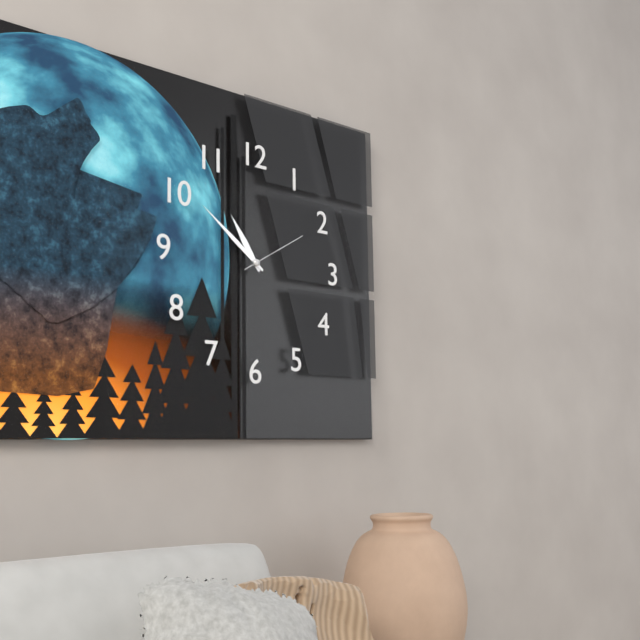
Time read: **10:51:10**
